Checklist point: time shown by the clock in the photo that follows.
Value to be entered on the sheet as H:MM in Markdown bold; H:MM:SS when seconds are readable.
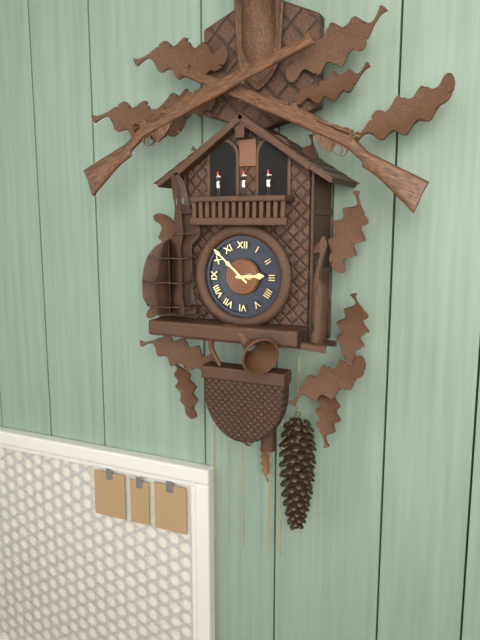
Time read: **2:52**
